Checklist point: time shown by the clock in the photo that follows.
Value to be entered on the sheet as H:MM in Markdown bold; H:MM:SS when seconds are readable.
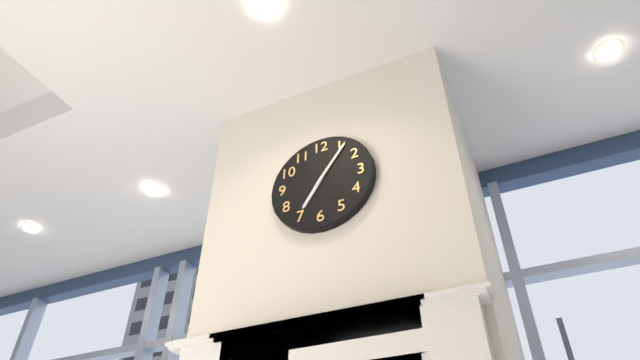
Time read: **7:06**
